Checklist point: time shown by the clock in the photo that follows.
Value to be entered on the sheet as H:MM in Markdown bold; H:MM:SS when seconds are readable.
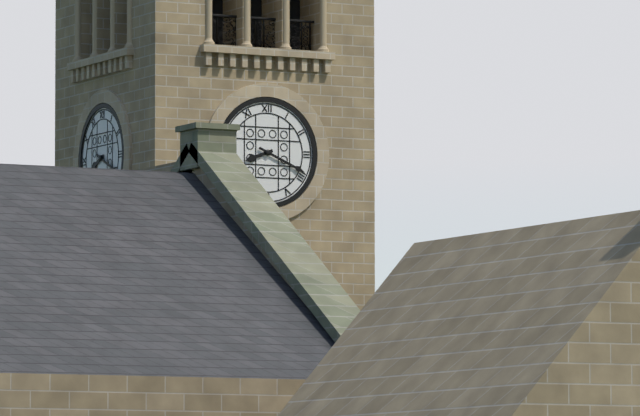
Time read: **8:19**
